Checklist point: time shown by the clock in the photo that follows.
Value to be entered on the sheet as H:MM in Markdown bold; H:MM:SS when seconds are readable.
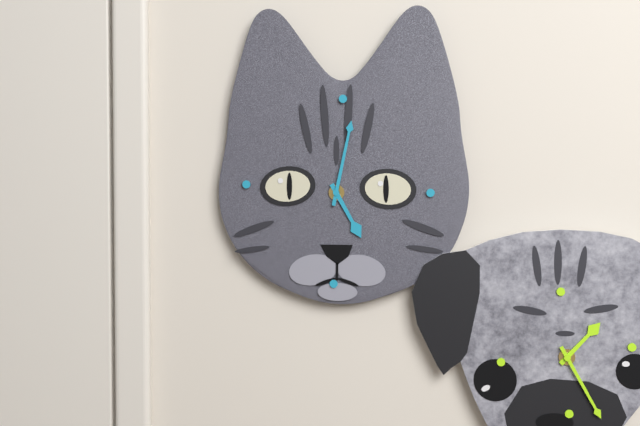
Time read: **5:02**
